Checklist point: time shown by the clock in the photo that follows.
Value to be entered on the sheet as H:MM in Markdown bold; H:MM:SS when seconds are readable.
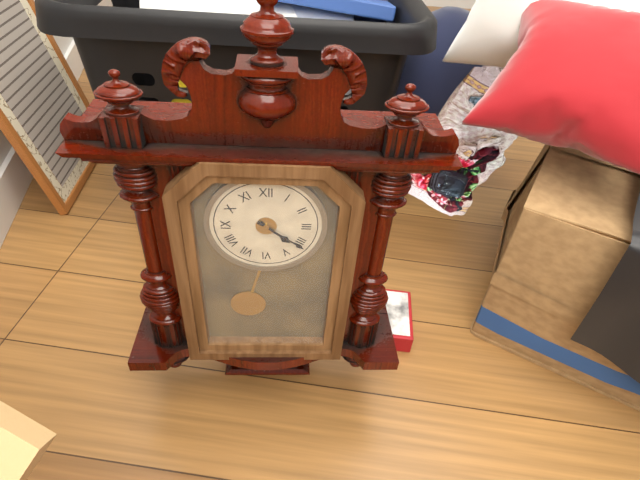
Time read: **4:21**
